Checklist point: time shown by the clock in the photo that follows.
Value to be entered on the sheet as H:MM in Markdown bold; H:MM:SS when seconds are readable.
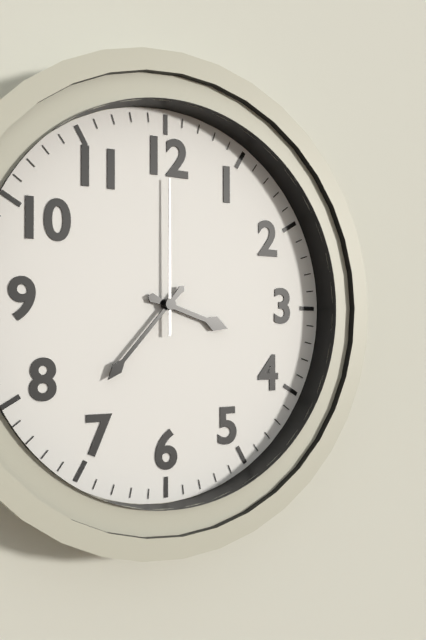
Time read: **3:37:00**
